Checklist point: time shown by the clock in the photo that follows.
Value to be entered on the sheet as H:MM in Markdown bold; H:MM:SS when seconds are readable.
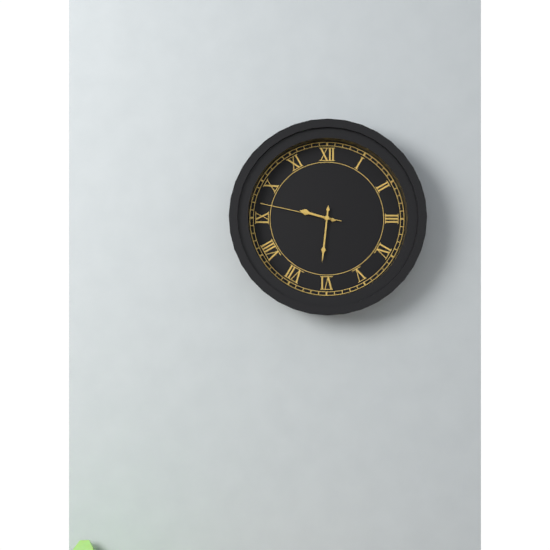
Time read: **9:31:47**
